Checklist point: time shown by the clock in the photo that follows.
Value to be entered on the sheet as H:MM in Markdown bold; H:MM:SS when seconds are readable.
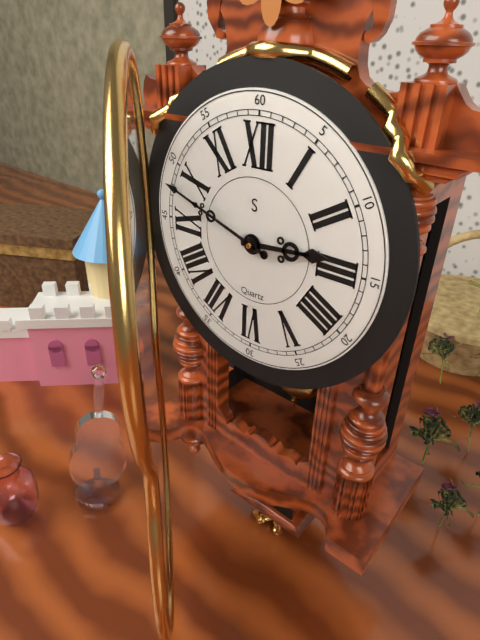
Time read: **2:48**
